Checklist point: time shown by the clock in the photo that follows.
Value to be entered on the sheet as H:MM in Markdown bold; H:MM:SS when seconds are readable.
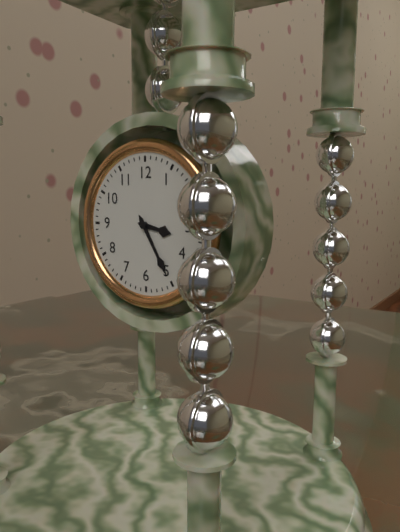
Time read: **3:25**
